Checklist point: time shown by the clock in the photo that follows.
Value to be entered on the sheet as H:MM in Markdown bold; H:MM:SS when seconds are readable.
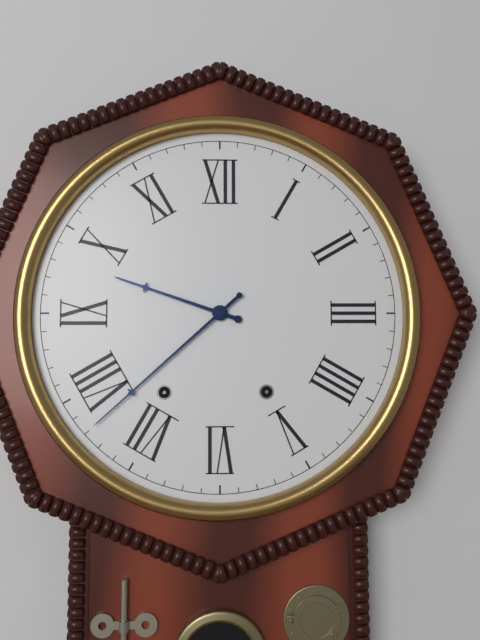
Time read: **9:38**
